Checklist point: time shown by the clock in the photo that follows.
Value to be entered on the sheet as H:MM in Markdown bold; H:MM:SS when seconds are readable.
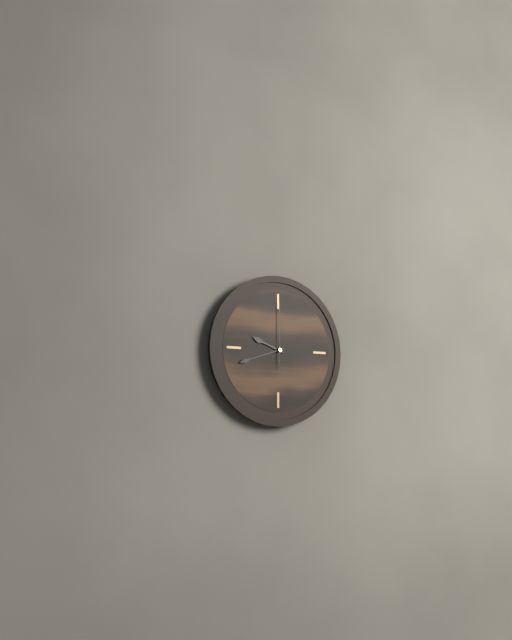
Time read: **9:42:00**
